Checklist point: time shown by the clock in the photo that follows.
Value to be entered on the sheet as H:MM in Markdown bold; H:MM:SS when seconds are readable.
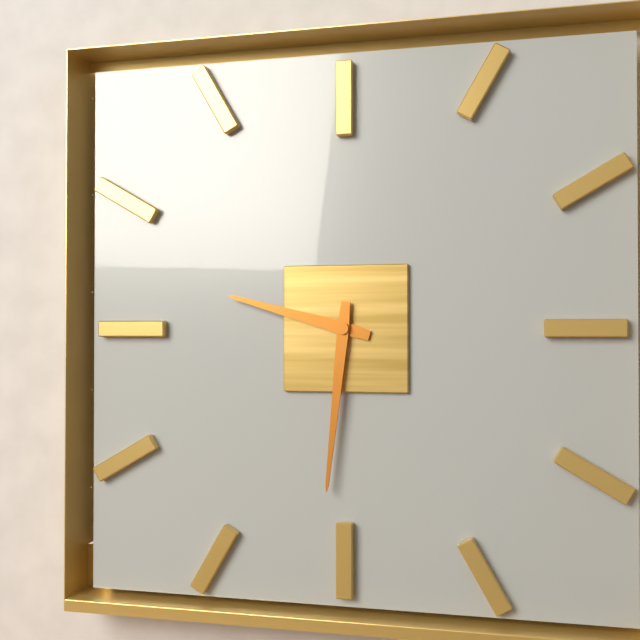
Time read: **9:31**
